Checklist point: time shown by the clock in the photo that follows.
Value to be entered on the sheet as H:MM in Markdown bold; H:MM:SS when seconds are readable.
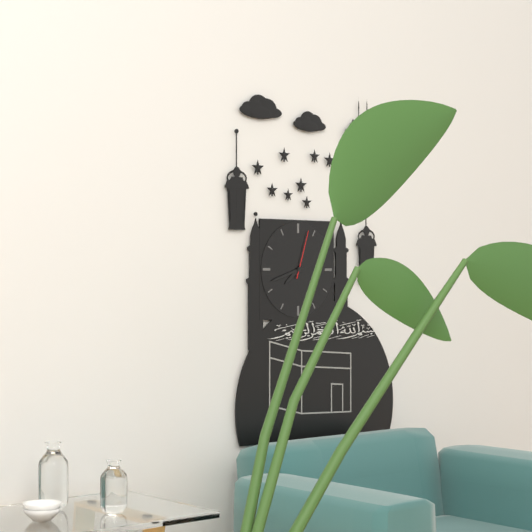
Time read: **7:42:03**
